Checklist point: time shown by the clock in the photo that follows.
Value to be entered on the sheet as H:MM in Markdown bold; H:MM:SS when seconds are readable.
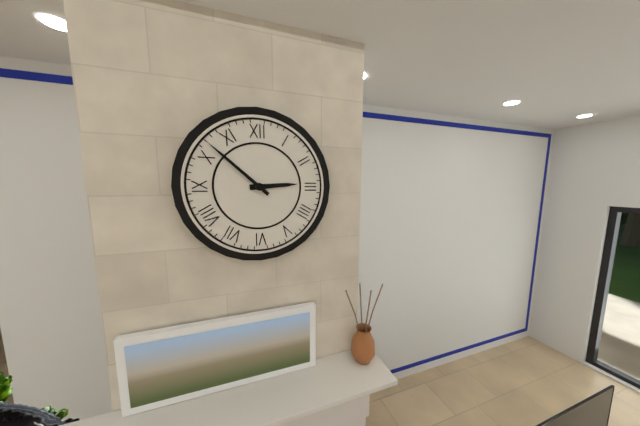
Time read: **2:52**
